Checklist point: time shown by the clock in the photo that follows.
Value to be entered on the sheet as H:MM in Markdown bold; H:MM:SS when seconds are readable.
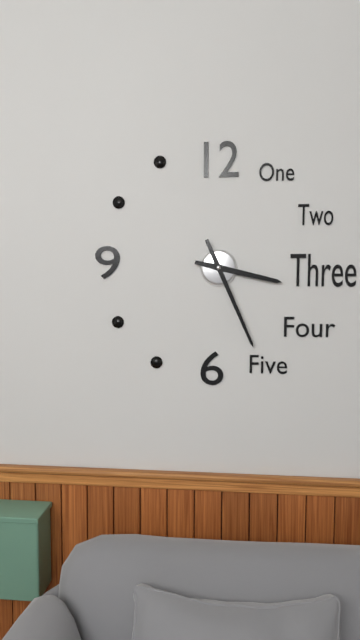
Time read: **3:26**
